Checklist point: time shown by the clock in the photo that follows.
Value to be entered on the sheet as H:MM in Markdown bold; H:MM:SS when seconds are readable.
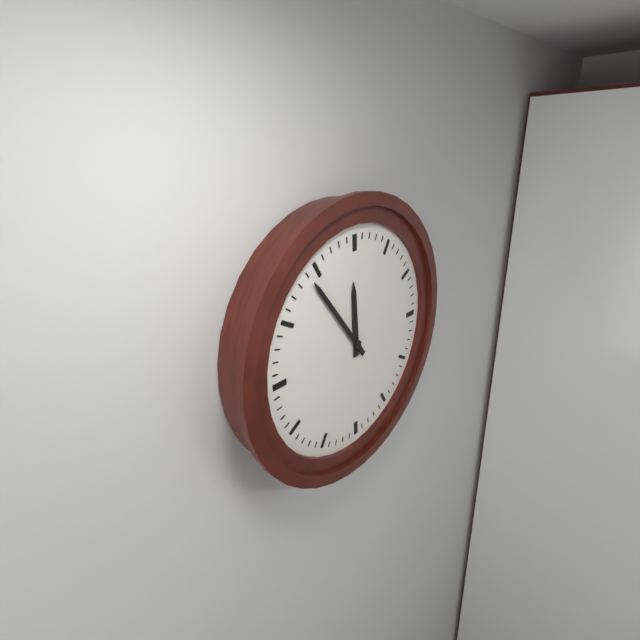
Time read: **11:54**
